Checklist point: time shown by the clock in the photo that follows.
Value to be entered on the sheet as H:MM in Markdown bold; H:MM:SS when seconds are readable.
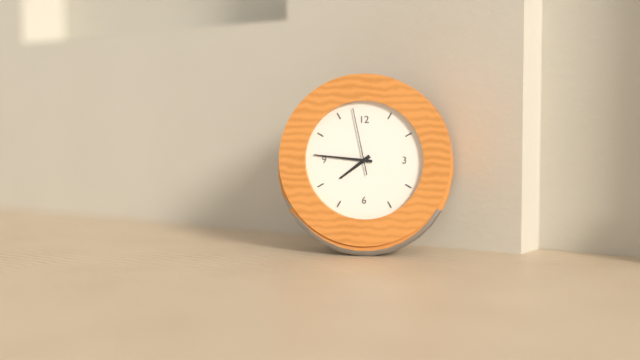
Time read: **7:46:58**
